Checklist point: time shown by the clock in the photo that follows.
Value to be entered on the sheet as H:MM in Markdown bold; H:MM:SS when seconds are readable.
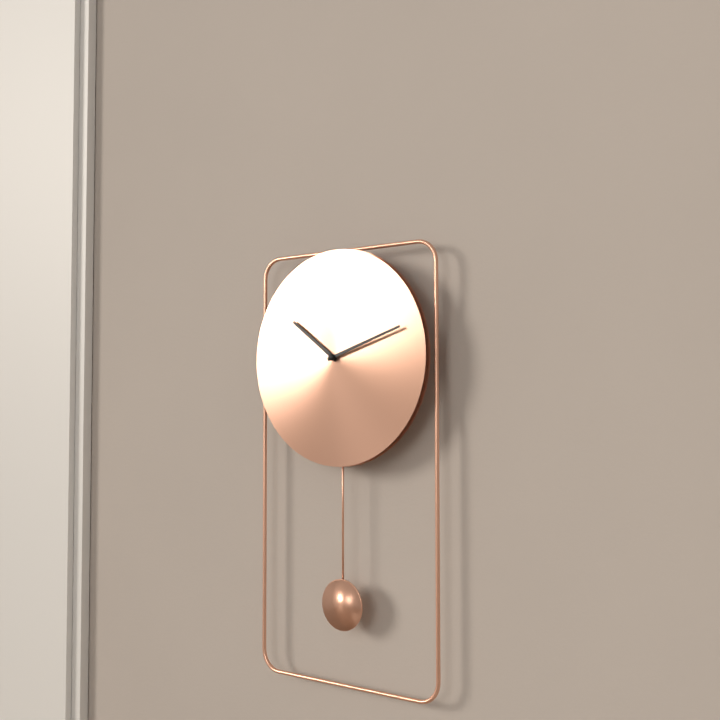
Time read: **10:12**
